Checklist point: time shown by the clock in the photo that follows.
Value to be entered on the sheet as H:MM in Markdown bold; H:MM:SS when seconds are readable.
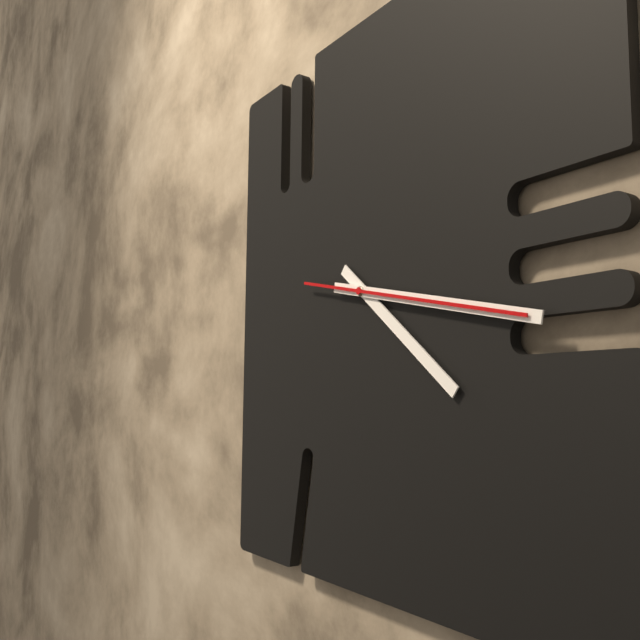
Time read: **4:17:17**
